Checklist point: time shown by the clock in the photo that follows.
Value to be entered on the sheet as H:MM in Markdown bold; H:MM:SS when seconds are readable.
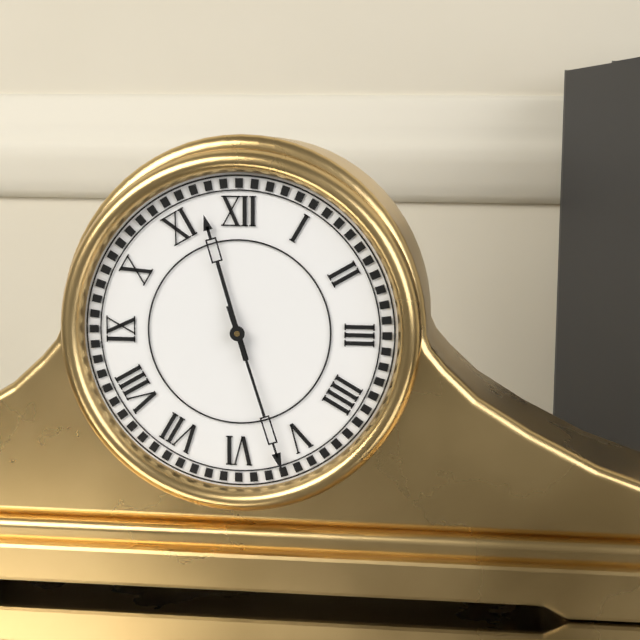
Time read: **11:27**
